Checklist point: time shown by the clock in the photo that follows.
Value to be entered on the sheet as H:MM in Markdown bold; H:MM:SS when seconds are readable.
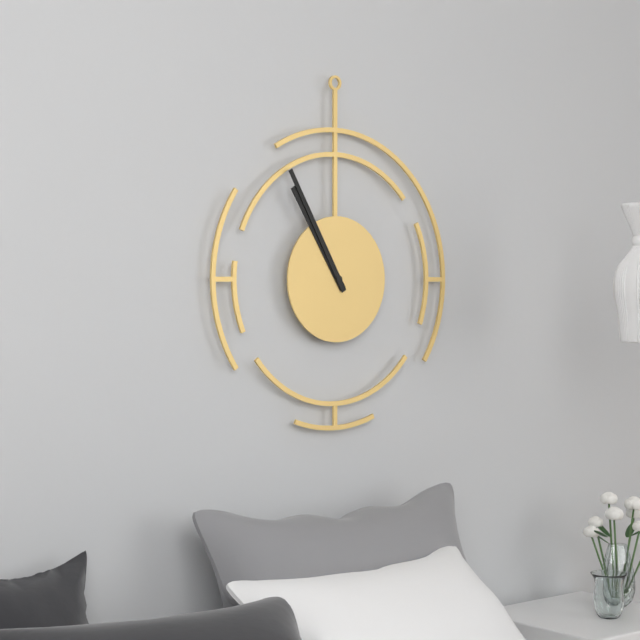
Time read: **10:55**
